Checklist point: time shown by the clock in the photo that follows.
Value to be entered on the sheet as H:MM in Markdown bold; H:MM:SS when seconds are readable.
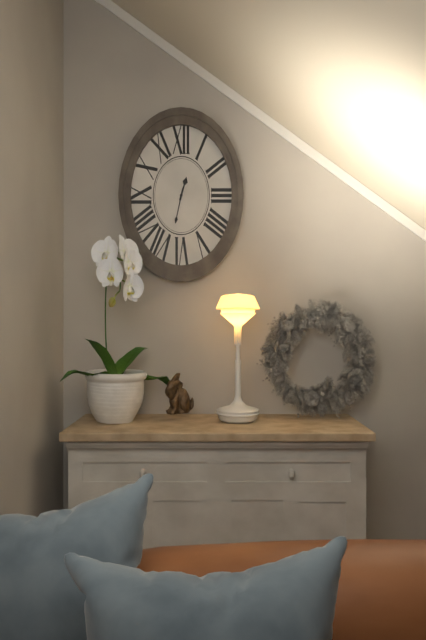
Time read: **12:32**
